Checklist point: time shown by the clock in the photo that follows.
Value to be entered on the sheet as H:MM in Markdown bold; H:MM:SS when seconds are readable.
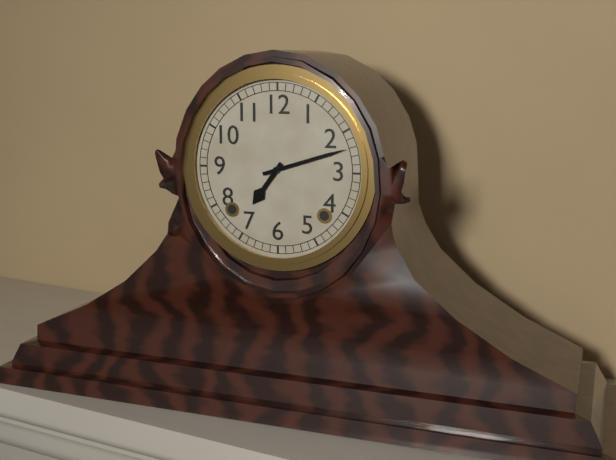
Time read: **7:12**
